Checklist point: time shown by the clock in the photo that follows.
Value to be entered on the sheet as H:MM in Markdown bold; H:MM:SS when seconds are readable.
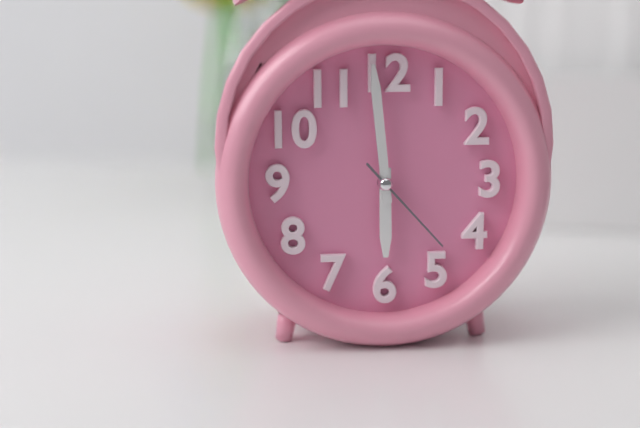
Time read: **5:59:23**
